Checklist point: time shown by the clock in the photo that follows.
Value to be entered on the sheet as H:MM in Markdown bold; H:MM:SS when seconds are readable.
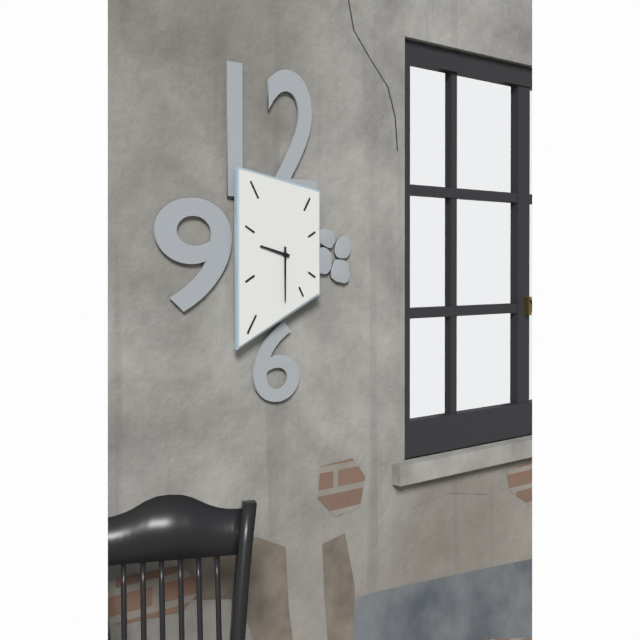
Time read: **9:30**
